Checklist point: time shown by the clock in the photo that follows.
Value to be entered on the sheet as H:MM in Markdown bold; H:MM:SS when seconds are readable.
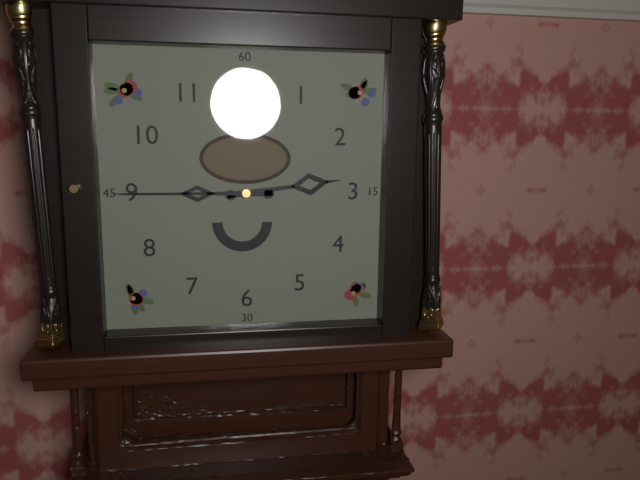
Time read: **2:45**
